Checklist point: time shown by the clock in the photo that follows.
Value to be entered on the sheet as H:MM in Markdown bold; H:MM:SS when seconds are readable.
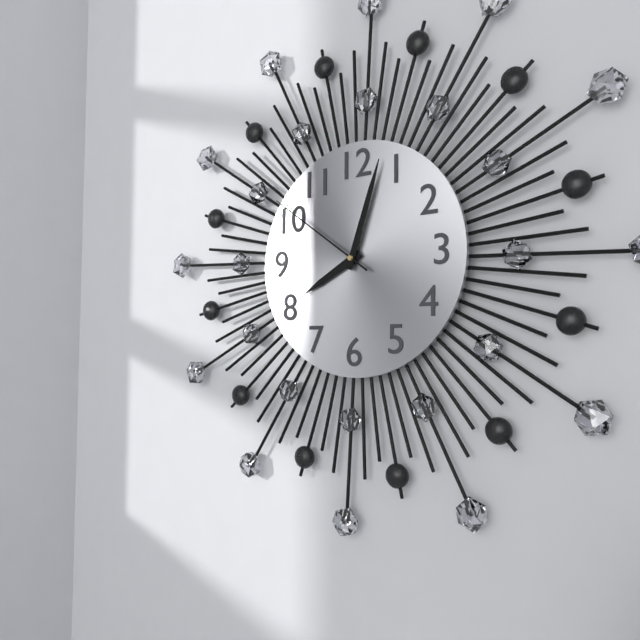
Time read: **8:03:51**
